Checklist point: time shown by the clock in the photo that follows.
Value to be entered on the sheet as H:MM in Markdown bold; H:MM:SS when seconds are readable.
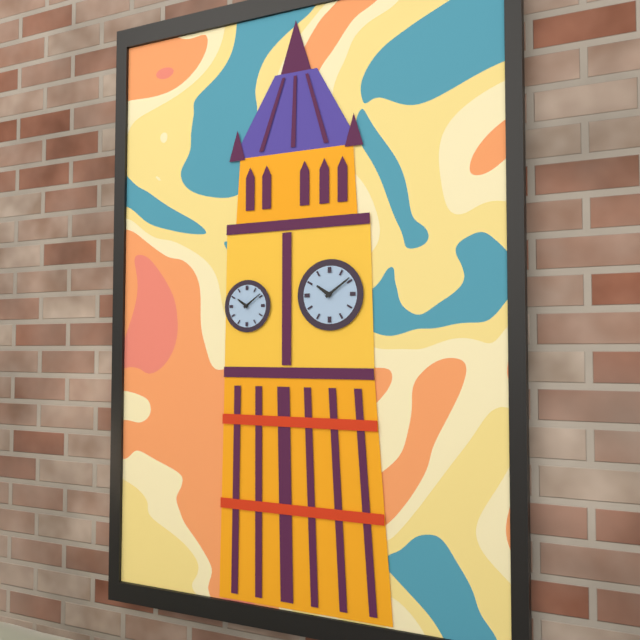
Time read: **10:09**
